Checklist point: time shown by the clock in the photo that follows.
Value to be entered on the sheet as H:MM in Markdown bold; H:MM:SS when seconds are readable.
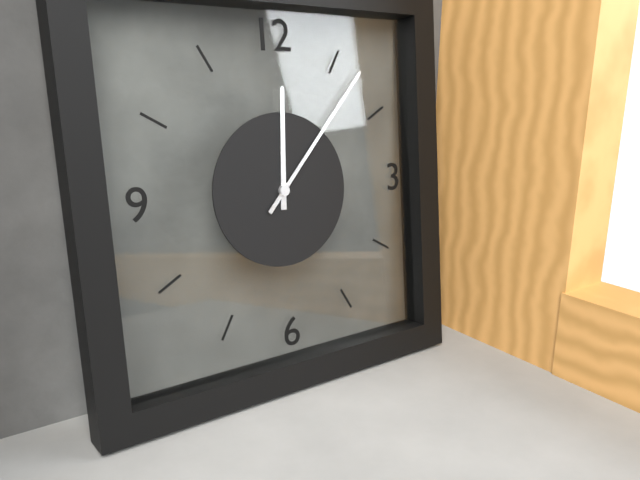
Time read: **12:07**
